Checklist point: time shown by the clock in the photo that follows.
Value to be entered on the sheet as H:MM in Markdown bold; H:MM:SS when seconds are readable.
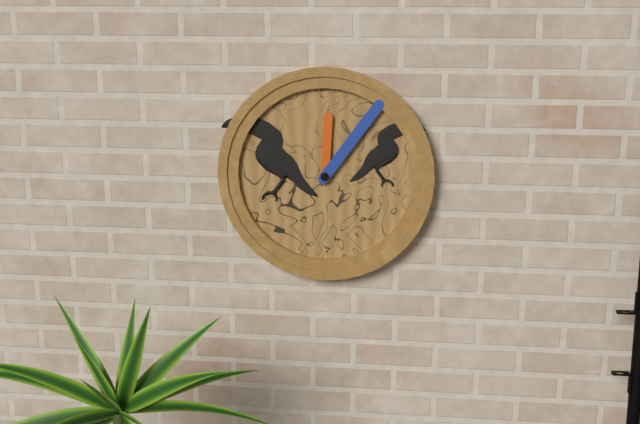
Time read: **12:06**
